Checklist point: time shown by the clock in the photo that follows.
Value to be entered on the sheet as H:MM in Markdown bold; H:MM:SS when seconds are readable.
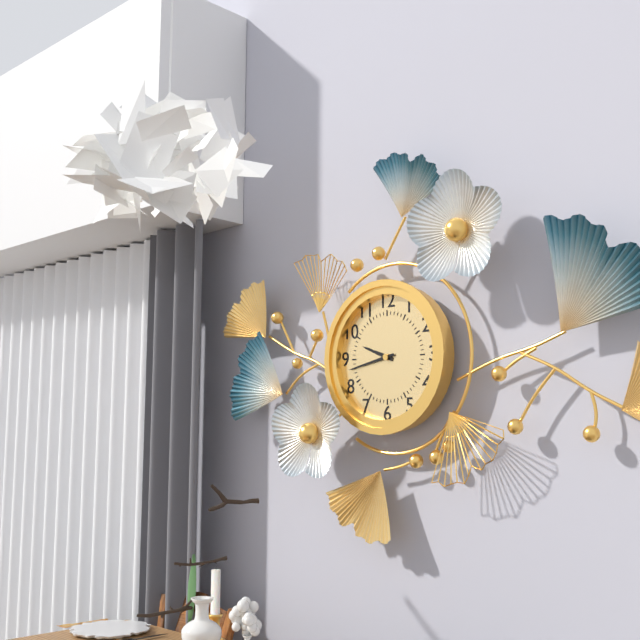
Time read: **9:43**
